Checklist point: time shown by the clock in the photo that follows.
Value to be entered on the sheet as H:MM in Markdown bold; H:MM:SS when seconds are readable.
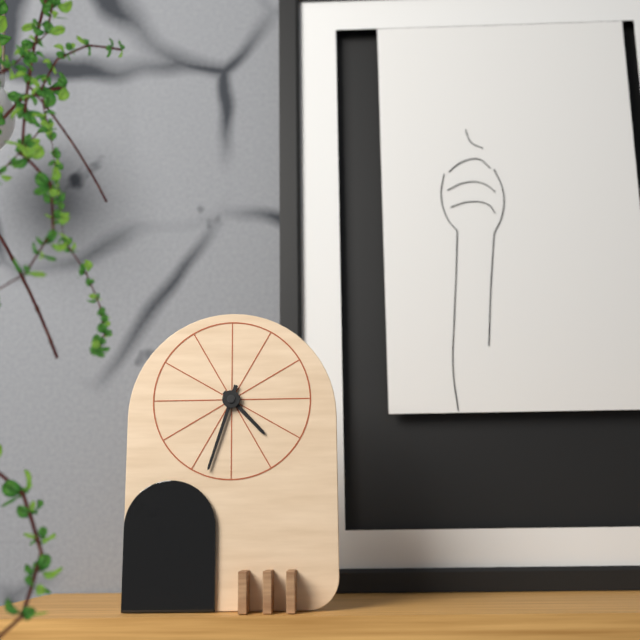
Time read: **4:33**
